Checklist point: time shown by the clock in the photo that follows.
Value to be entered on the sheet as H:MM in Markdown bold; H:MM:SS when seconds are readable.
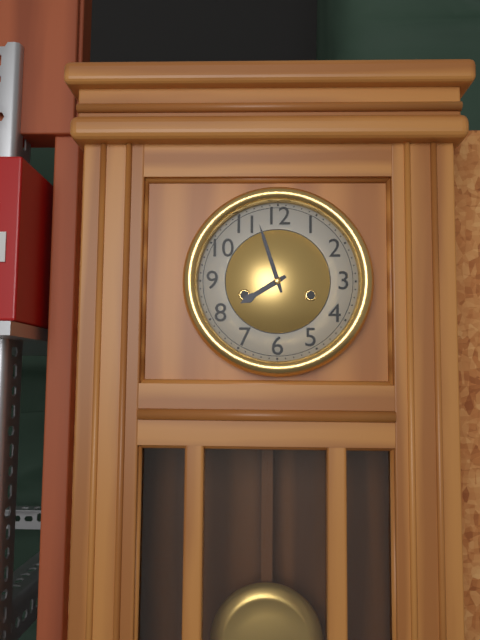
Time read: **7:57**
